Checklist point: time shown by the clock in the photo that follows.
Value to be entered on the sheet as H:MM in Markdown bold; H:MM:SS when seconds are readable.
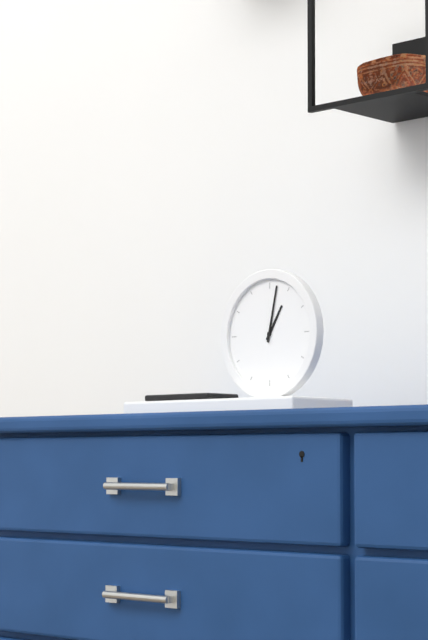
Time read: **1:02**
